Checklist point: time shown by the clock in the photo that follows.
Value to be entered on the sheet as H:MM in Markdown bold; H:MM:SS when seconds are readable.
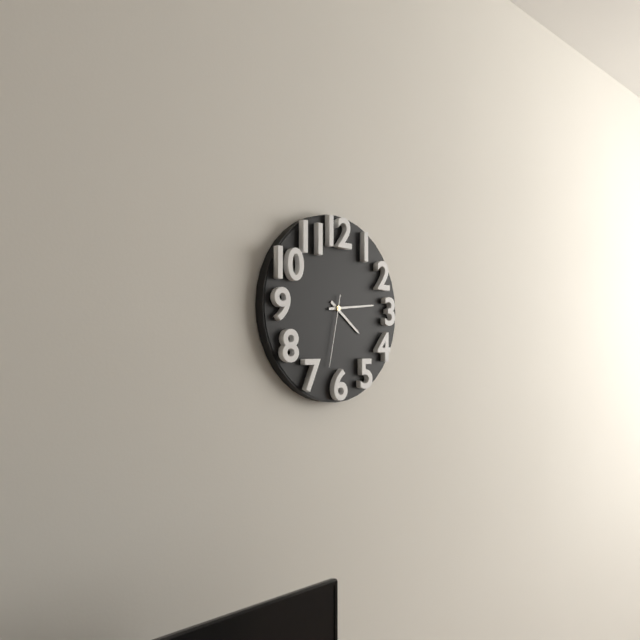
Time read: **4:14:32**
